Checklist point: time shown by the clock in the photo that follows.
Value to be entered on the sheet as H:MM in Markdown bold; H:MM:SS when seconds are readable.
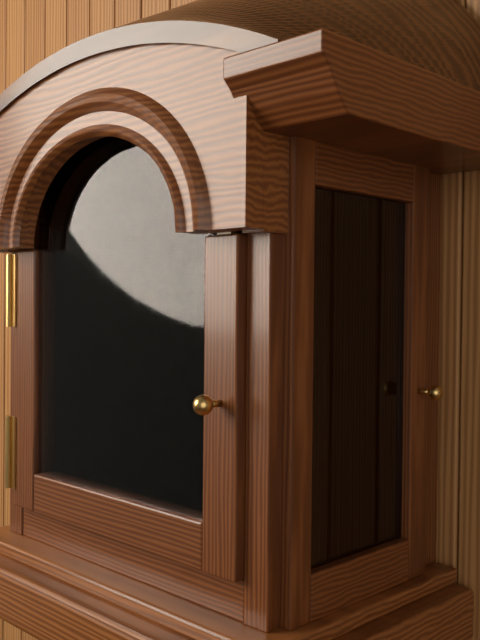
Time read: **12:53**
